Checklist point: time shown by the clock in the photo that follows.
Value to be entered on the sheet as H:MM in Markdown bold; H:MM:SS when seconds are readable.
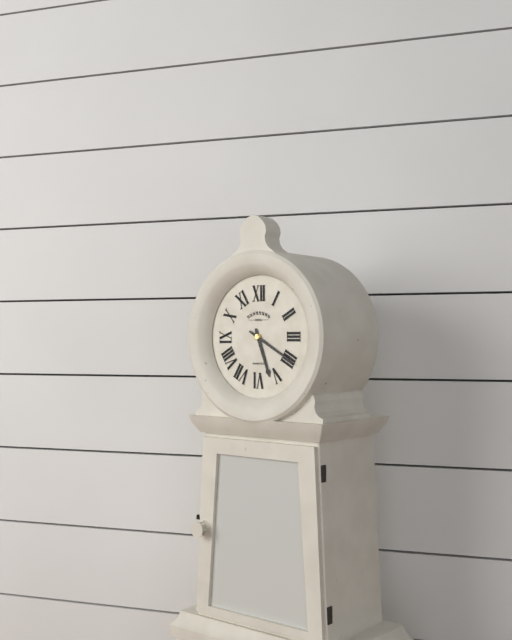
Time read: **5:20**
